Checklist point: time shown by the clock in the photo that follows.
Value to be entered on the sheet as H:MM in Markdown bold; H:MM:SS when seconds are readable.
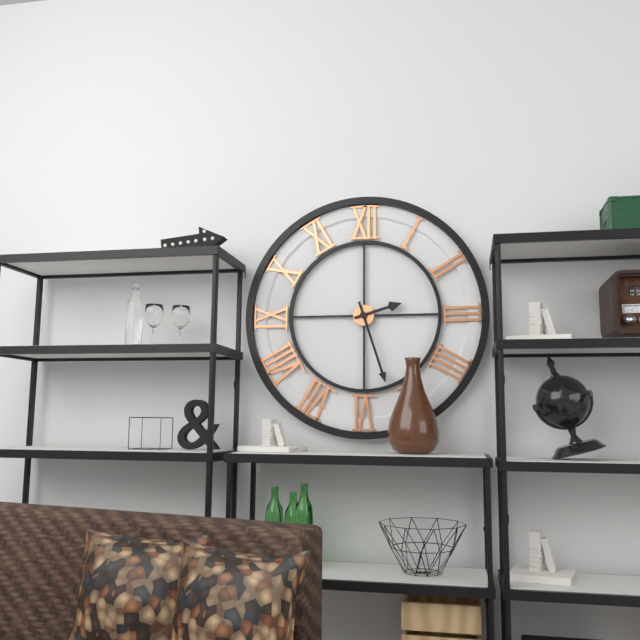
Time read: **2:27**
